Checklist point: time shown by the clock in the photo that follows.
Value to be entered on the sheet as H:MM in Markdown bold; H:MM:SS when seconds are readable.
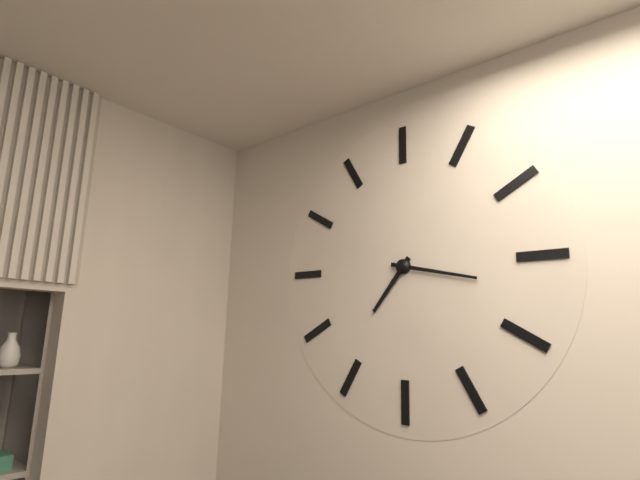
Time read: **7:17**
